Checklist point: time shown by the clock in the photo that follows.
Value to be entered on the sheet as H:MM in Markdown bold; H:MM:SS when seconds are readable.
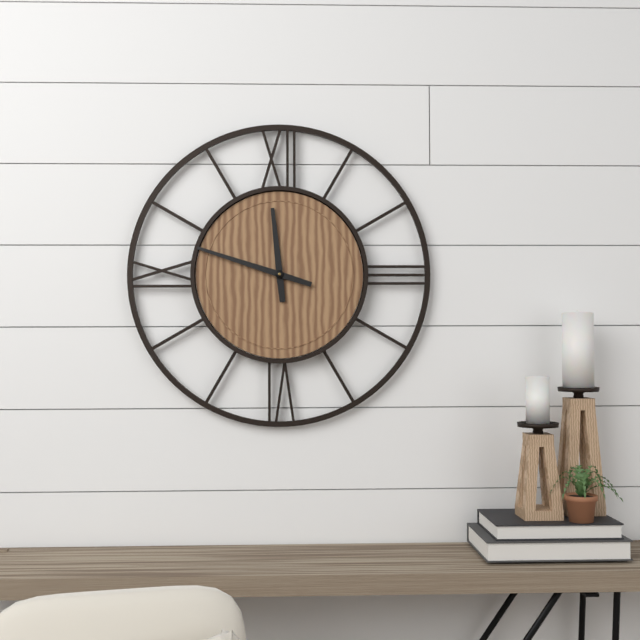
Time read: **11:48**
